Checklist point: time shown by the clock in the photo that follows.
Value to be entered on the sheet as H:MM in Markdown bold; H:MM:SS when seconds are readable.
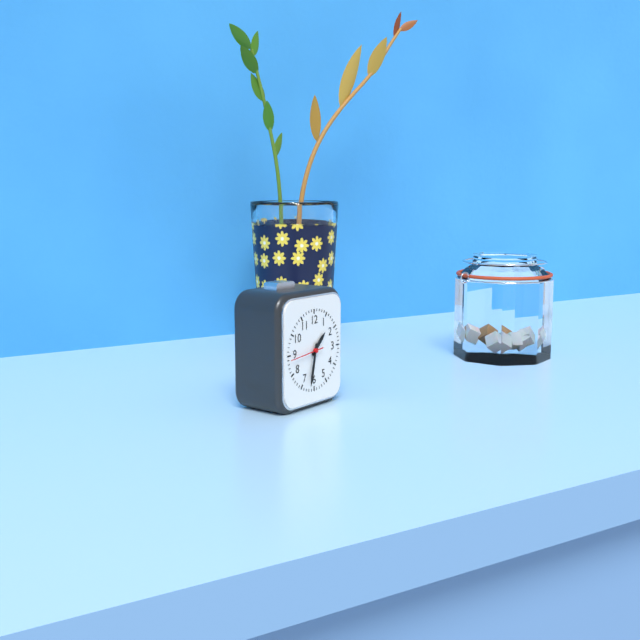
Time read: **1:32**
